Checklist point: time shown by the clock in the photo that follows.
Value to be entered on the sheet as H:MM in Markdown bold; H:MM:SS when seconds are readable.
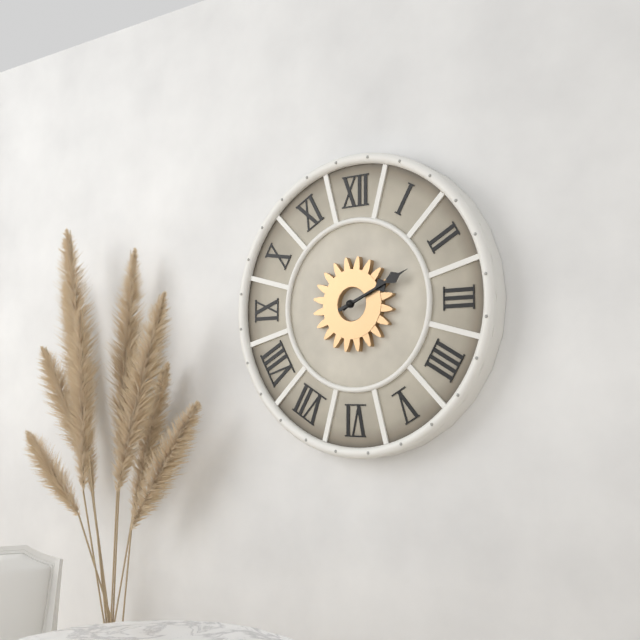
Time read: **2:11**
